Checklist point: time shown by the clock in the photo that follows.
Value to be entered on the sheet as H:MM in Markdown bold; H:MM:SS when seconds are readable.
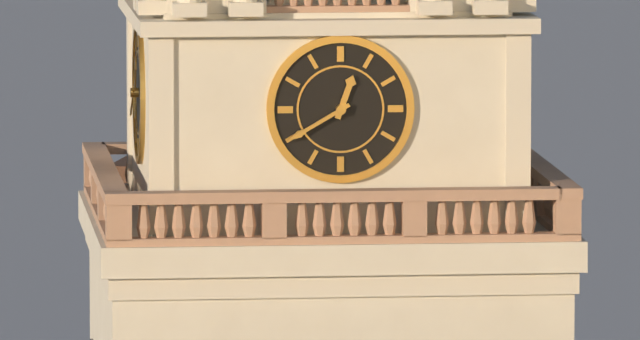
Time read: **12:40**
